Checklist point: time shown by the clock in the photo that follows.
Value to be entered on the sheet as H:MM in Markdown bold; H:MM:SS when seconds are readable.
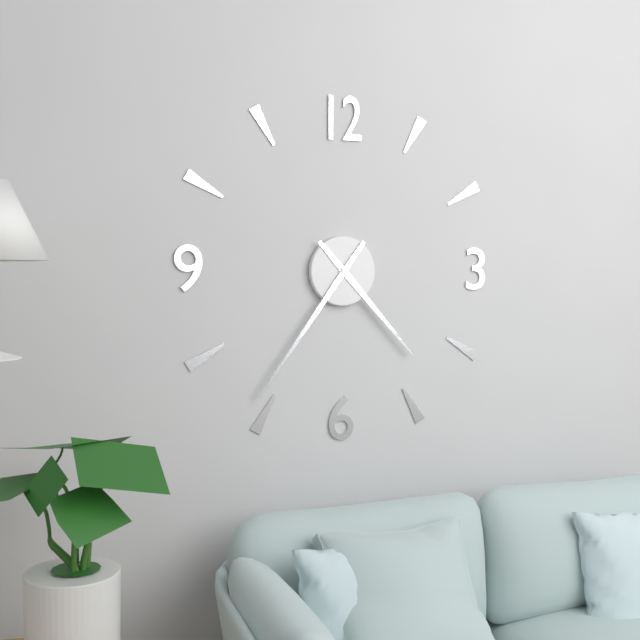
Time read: **4:36**
